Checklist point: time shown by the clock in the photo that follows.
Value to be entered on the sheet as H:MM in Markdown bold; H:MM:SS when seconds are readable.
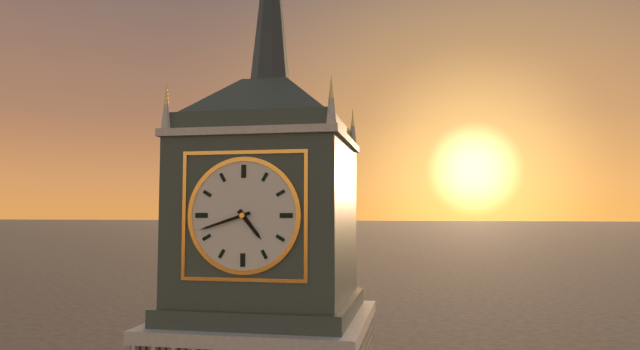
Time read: **4:42**
